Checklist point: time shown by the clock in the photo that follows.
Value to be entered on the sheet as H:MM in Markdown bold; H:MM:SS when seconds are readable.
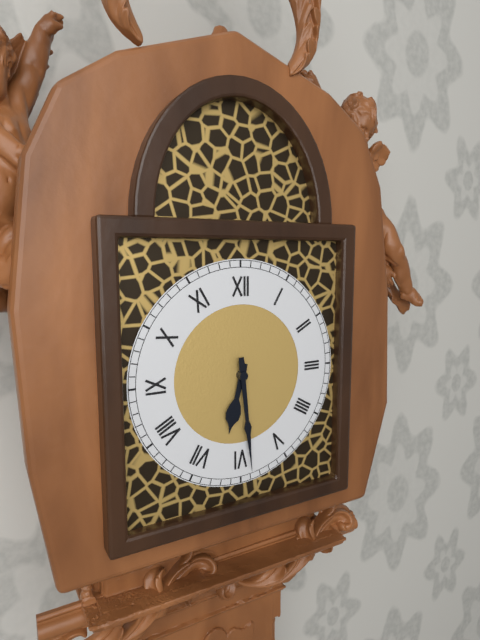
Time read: **6:29**
